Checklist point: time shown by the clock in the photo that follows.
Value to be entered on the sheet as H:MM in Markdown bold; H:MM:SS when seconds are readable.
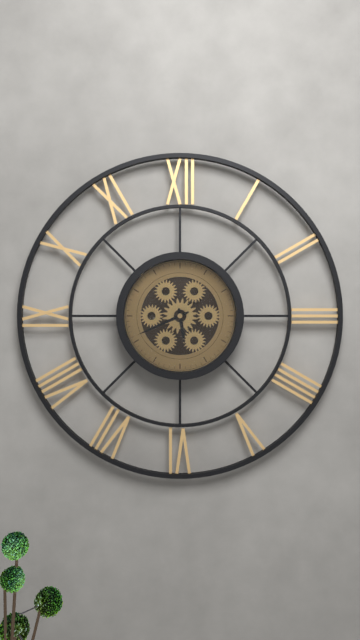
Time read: **5:41**
